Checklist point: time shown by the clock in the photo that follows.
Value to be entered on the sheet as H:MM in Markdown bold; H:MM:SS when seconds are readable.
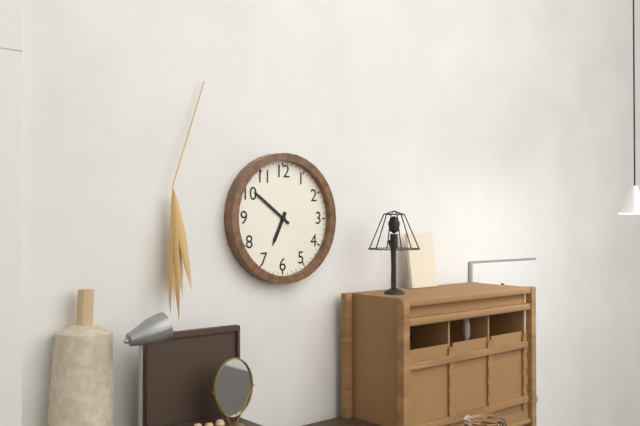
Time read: **6:51**
